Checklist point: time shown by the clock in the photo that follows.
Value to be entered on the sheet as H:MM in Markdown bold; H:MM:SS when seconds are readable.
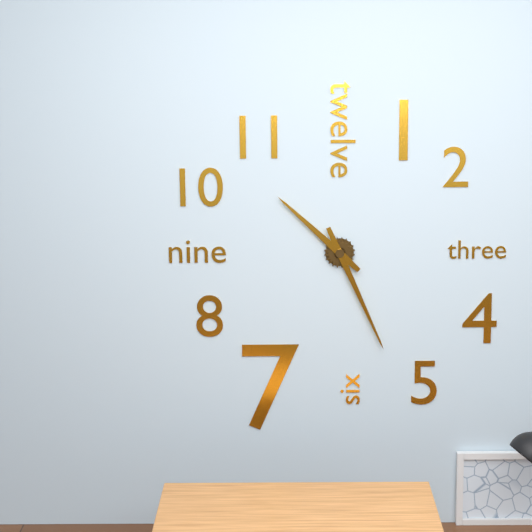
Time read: **10:26**
